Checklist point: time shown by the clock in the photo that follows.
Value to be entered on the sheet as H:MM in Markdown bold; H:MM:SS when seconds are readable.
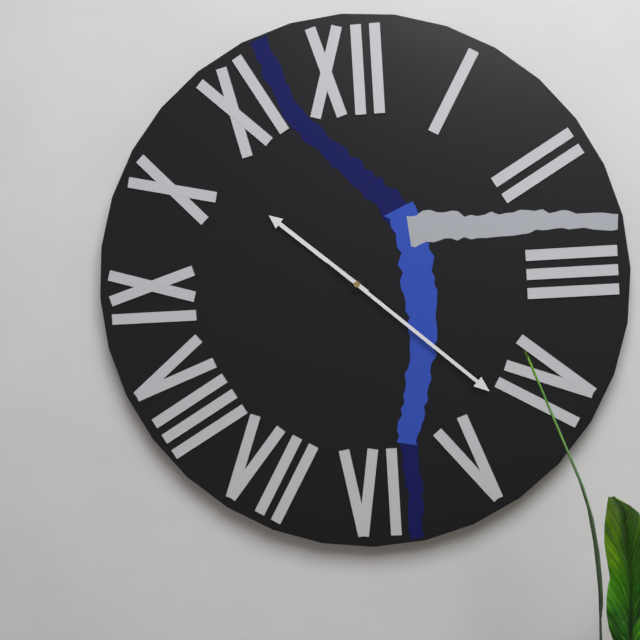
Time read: **10:22**
